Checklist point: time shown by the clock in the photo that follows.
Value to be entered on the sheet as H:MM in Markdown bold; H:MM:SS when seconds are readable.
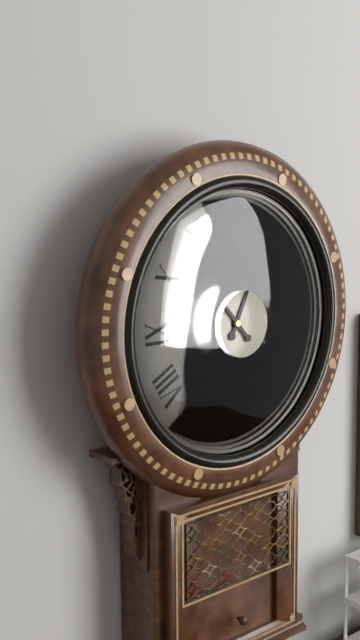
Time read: **12:53**
